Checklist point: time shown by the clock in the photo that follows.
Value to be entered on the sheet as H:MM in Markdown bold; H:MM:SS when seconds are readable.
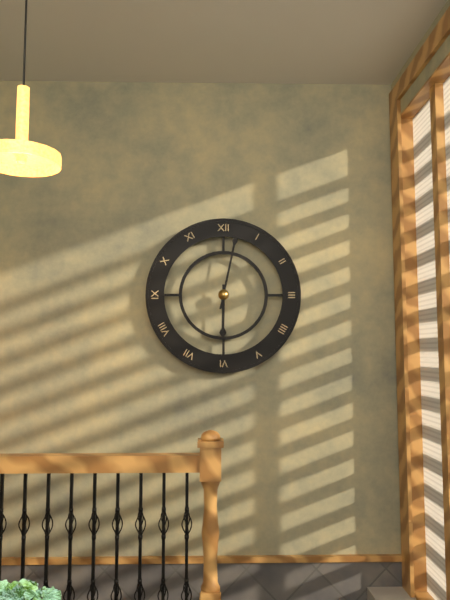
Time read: **6:02**
